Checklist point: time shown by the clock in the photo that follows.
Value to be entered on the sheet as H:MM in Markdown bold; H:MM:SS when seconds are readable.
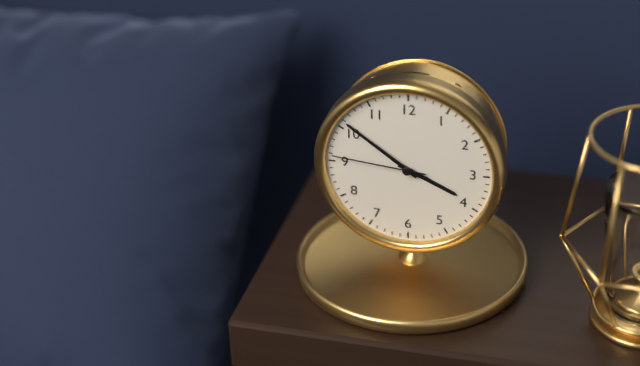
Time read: **3:51:46**
